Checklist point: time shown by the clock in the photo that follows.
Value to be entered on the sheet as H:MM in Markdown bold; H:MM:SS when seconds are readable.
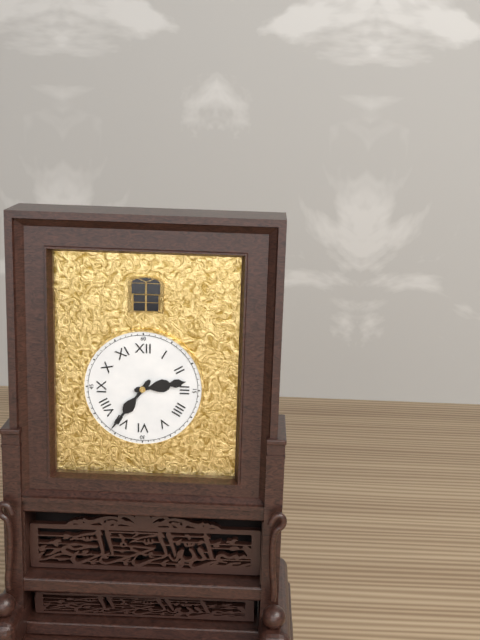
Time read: **2:36**
